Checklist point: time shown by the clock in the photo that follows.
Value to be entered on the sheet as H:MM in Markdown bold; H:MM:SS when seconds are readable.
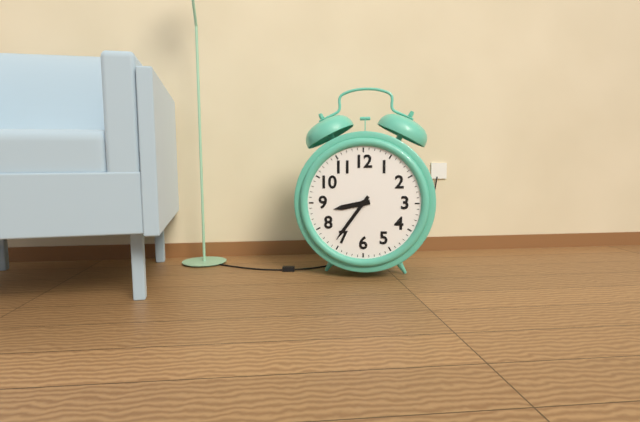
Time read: **8:36**
